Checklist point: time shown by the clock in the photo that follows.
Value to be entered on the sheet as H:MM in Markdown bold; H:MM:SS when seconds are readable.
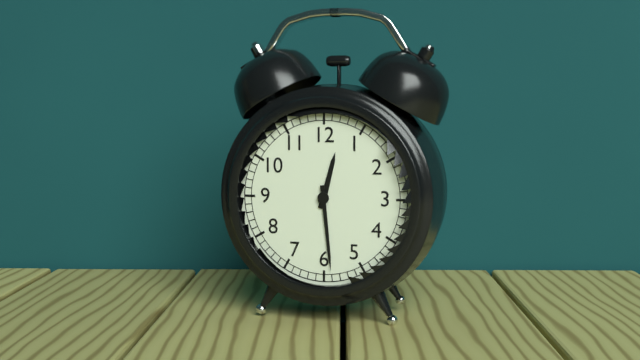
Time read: **12:29**
